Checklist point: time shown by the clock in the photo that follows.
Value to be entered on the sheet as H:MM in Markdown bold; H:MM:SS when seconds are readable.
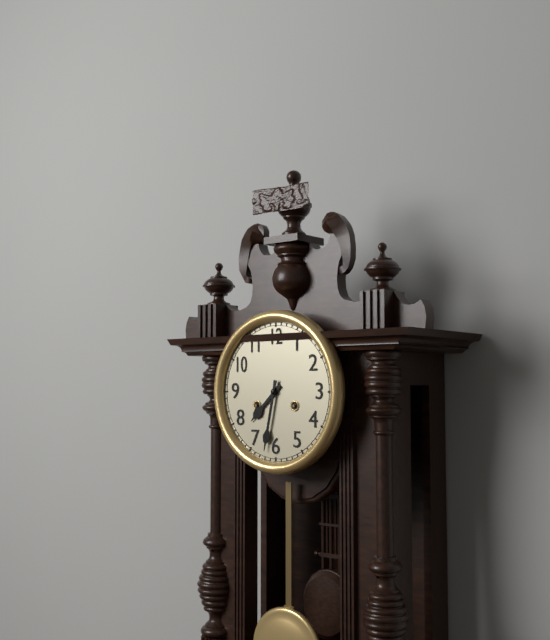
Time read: **7:32**
